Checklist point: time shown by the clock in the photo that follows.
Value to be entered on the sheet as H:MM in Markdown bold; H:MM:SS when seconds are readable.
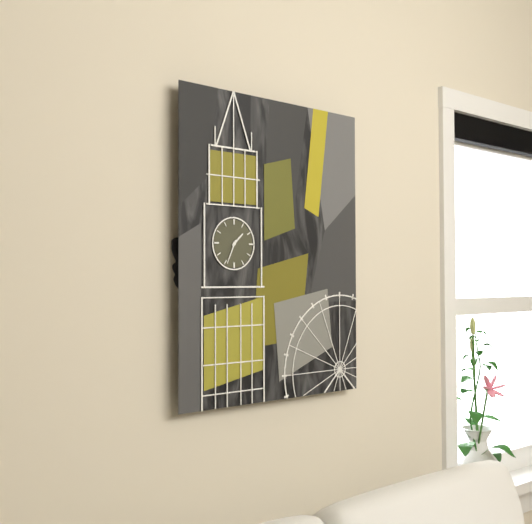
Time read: **1:34**
